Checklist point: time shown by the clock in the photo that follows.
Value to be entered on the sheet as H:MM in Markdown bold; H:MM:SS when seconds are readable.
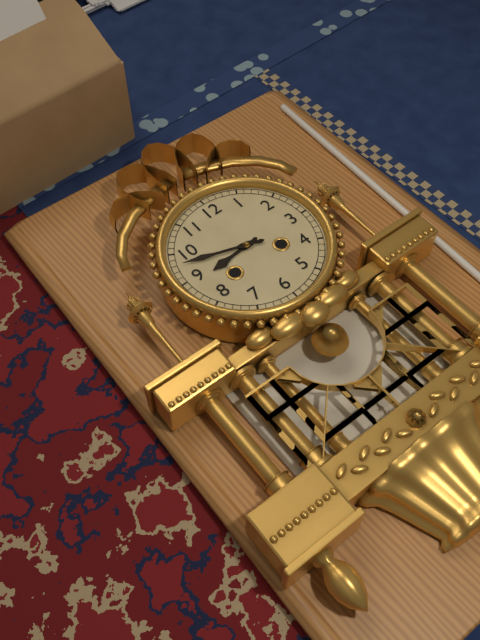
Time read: **8:48**
